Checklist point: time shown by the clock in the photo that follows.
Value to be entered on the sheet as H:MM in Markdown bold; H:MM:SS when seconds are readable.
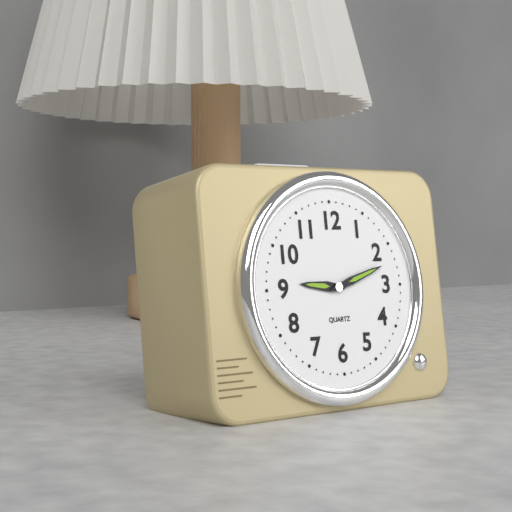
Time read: **9:12**
